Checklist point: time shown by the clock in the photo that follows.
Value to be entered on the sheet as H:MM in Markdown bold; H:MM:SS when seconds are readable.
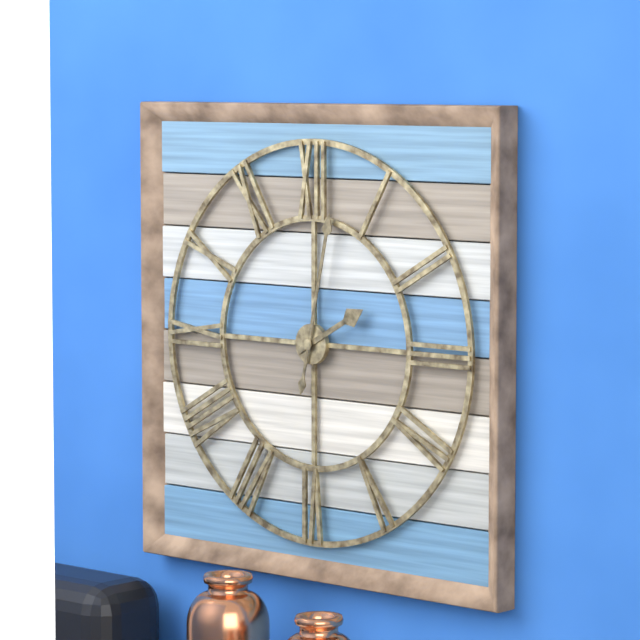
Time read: **2:02**
